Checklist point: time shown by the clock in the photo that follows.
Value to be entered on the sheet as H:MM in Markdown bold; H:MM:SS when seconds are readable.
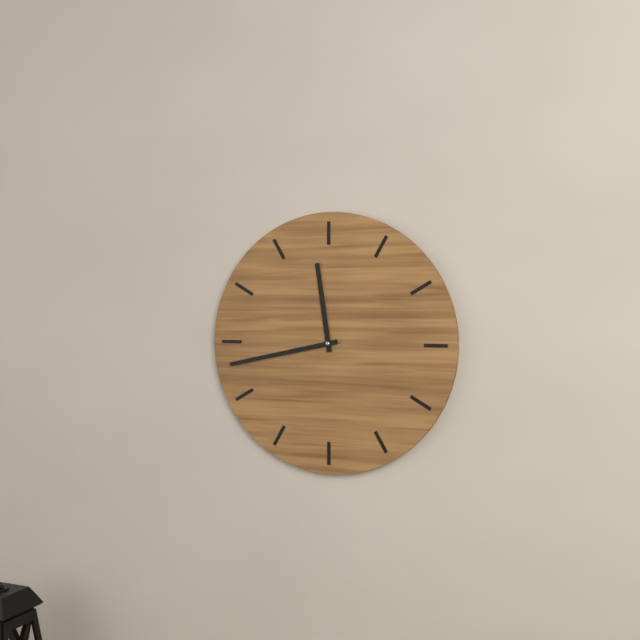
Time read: **11:43**
